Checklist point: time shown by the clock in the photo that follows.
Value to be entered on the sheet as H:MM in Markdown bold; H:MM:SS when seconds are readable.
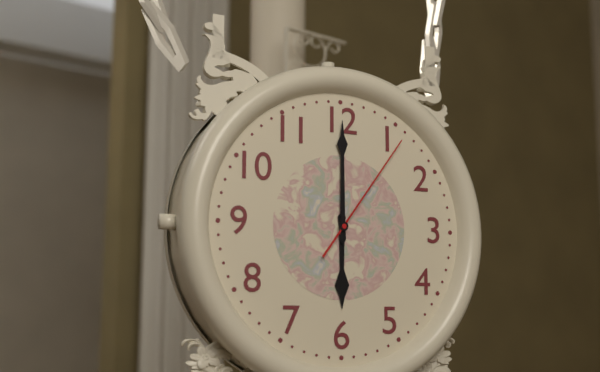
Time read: **6:00:06**
